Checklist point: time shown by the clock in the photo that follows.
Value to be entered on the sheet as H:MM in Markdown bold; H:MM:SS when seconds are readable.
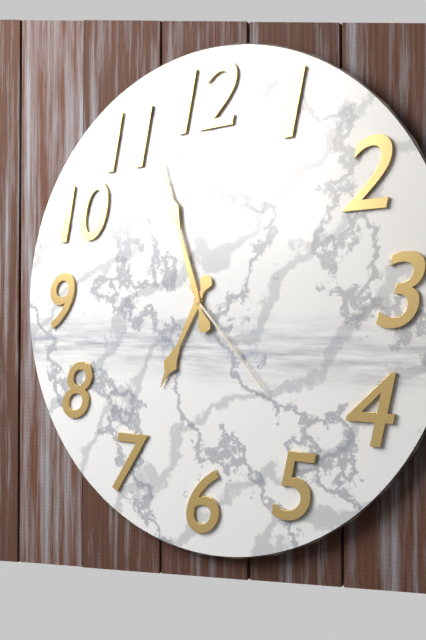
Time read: **6:57:23**
